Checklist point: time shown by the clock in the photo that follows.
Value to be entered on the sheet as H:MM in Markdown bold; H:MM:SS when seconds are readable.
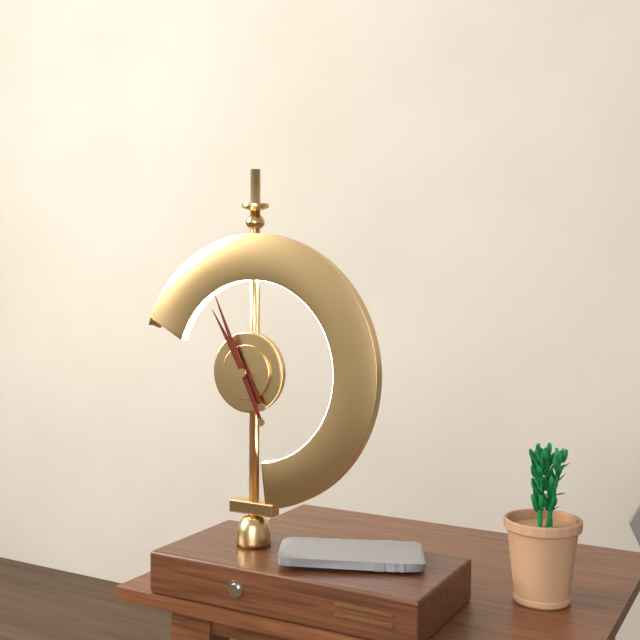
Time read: **10:56**
